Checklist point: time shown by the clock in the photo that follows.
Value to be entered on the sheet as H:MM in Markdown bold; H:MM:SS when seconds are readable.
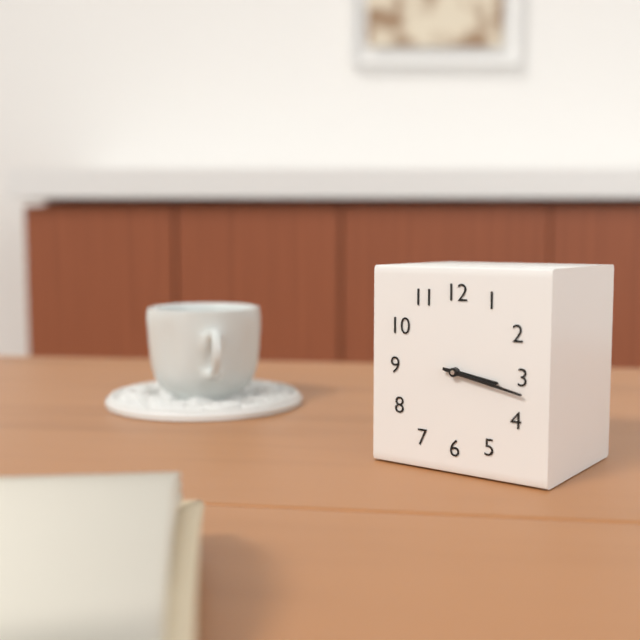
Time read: **3:17**
